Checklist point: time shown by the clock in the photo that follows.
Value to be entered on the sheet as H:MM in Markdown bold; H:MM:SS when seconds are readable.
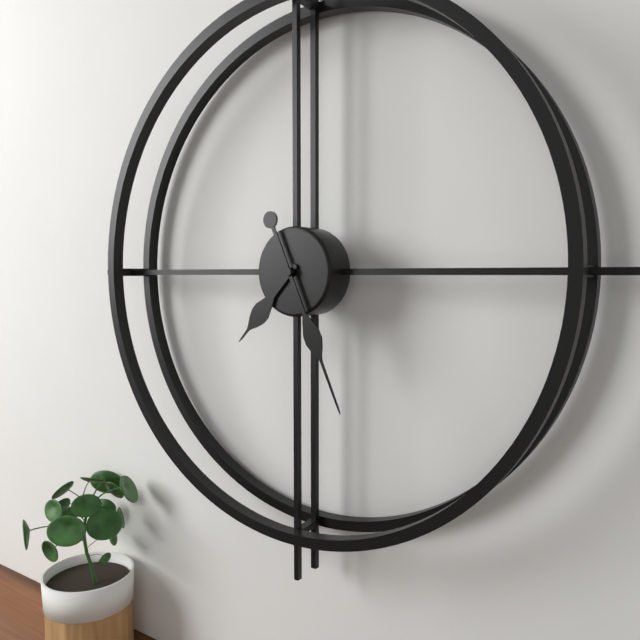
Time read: **7:26**
